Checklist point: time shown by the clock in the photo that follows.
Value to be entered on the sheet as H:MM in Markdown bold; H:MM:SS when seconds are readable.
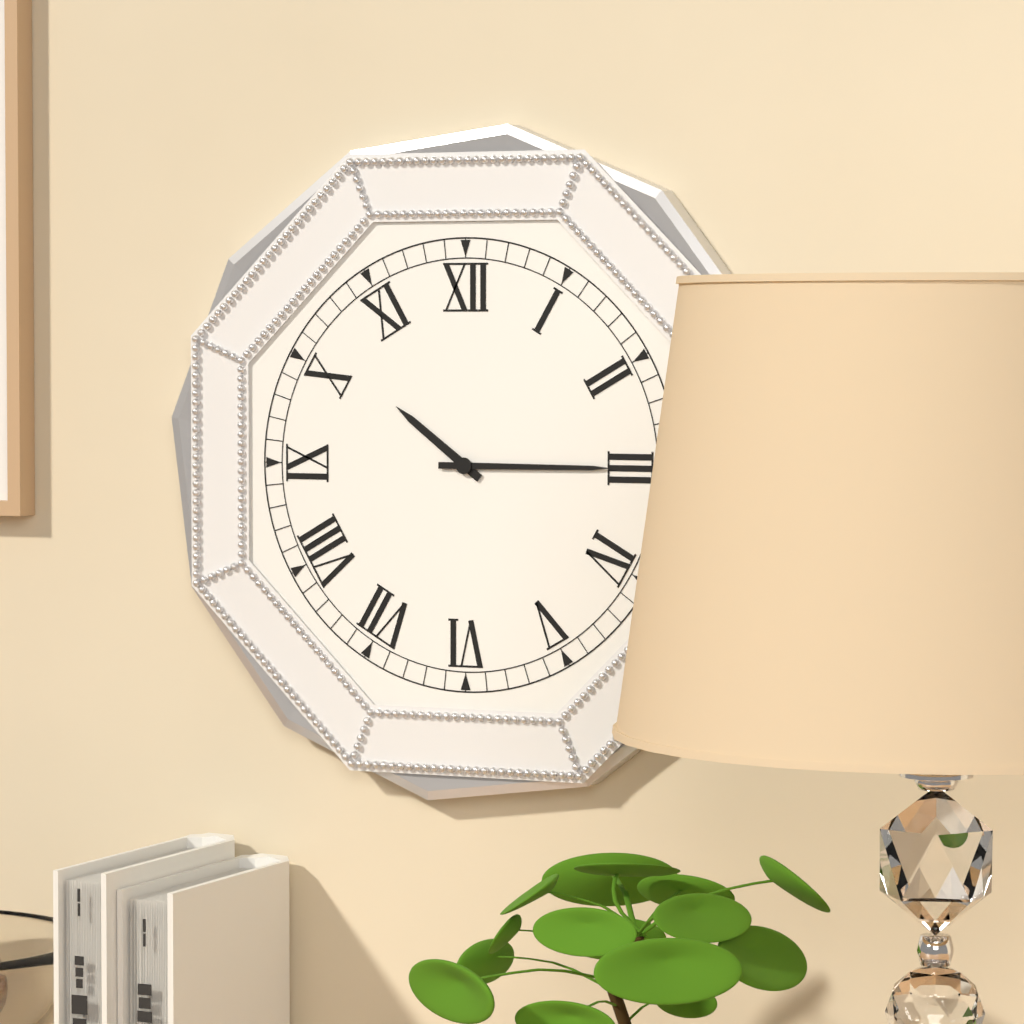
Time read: **10:15**
